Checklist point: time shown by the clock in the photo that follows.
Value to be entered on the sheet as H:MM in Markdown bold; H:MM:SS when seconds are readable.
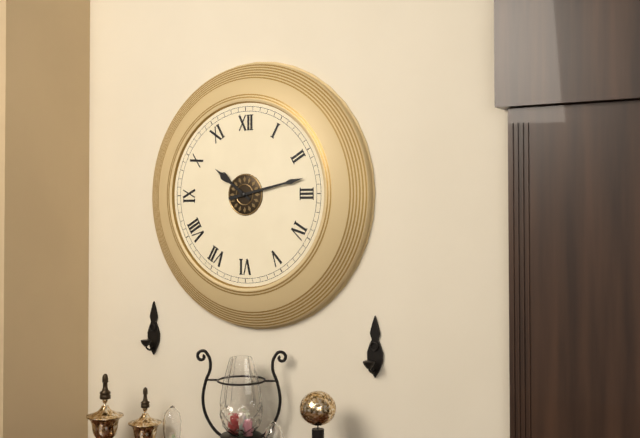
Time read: **10:13**
